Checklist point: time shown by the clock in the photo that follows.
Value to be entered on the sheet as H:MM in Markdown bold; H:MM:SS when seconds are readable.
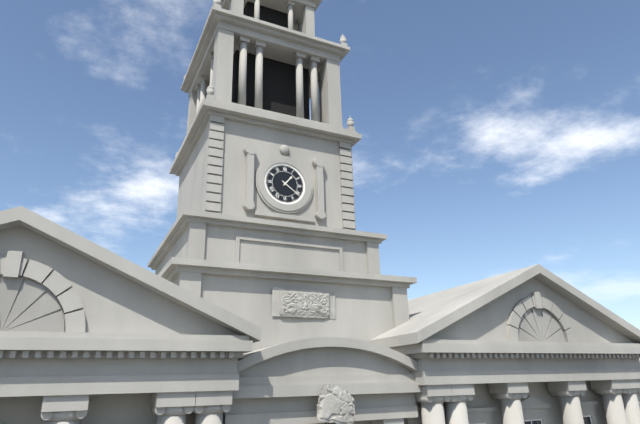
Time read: **1:21**
